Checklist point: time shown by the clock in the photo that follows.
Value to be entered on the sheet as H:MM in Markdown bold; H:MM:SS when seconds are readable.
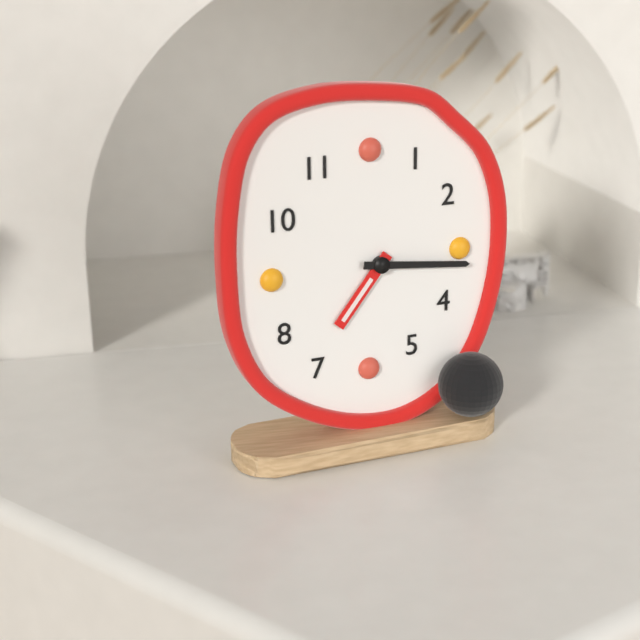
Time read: **7:16**
